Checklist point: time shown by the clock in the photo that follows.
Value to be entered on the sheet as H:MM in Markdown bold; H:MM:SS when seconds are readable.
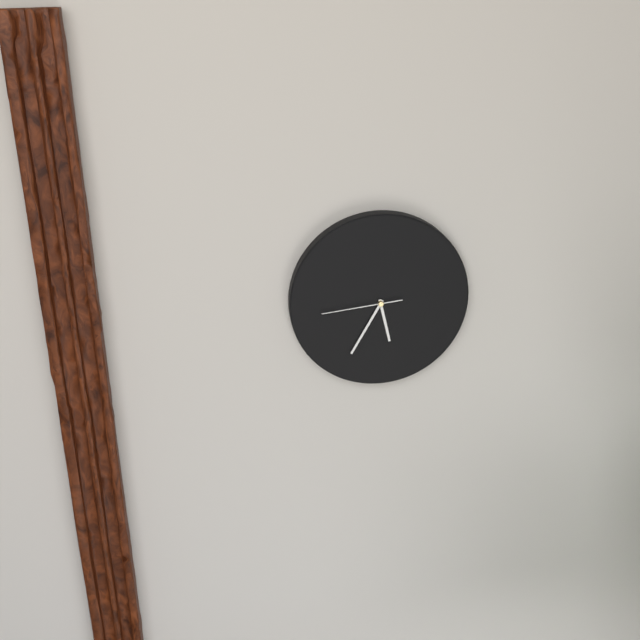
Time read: **5:35:44**
